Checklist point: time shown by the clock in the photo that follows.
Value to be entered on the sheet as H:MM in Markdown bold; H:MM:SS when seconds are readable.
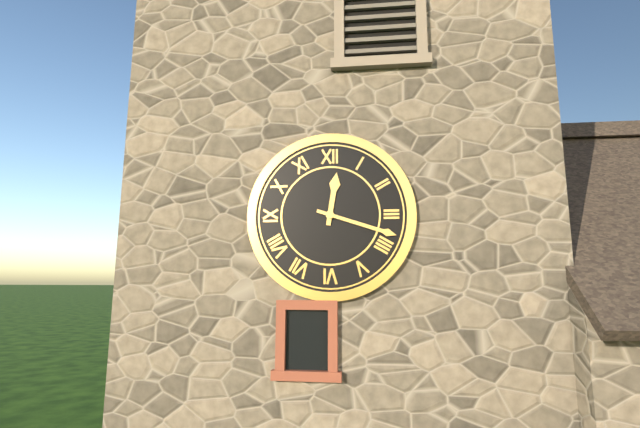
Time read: **12:18**
